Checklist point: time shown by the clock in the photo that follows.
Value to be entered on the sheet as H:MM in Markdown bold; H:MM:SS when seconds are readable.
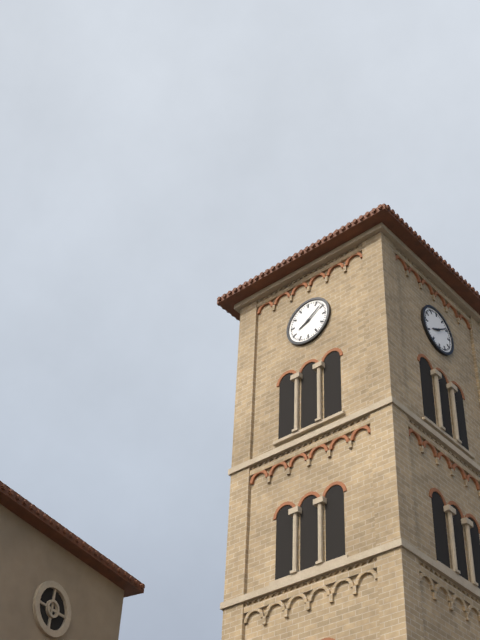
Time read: **8:09**
